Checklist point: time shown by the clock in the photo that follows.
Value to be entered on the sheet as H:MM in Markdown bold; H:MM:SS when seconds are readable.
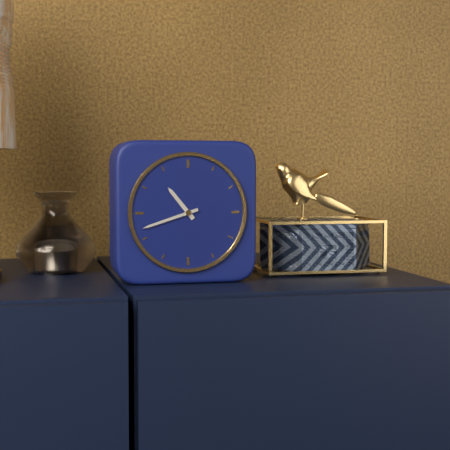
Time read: **10:42**
